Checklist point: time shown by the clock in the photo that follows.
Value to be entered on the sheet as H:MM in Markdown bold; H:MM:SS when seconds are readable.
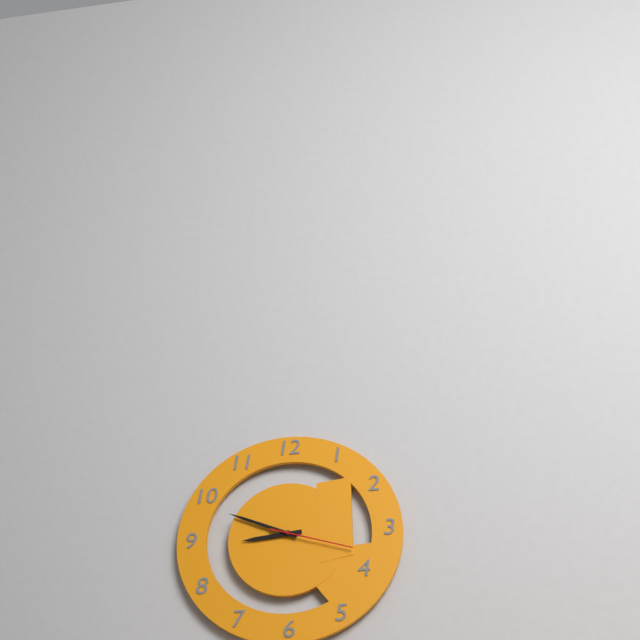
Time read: **8:49:18**
